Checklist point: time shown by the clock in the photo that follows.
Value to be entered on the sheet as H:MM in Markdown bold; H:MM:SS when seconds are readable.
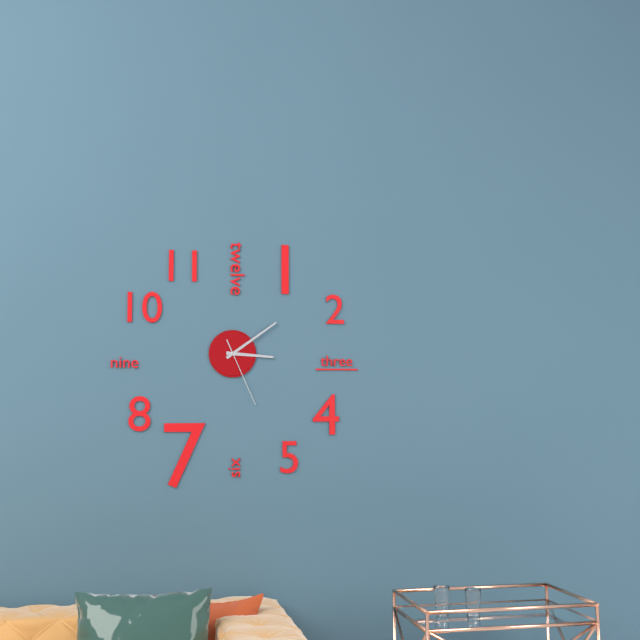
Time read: **3:09:26**
